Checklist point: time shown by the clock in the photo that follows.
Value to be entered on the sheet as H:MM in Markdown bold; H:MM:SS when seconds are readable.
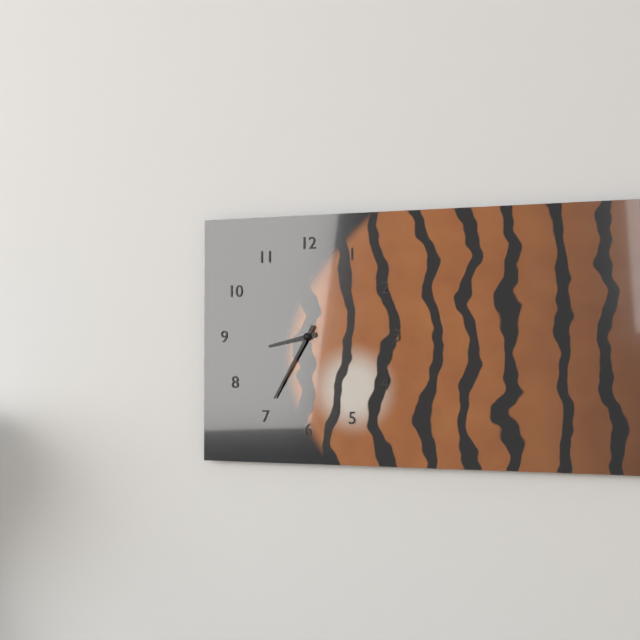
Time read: **8:35**
